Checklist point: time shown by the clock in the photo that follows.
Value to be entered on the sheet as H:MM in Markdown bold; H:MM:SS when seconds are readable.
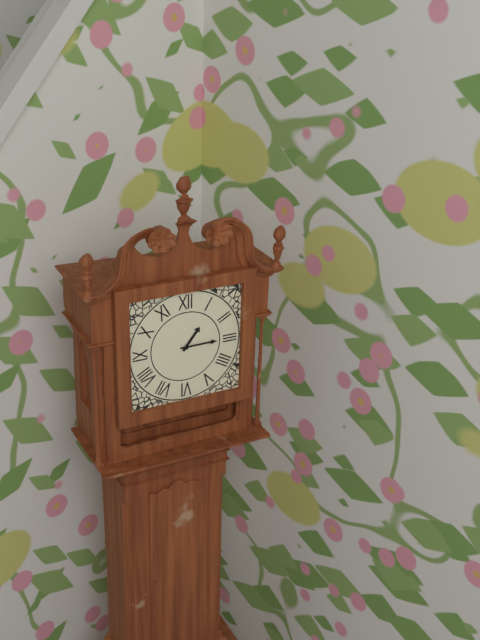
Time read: **1:15**
